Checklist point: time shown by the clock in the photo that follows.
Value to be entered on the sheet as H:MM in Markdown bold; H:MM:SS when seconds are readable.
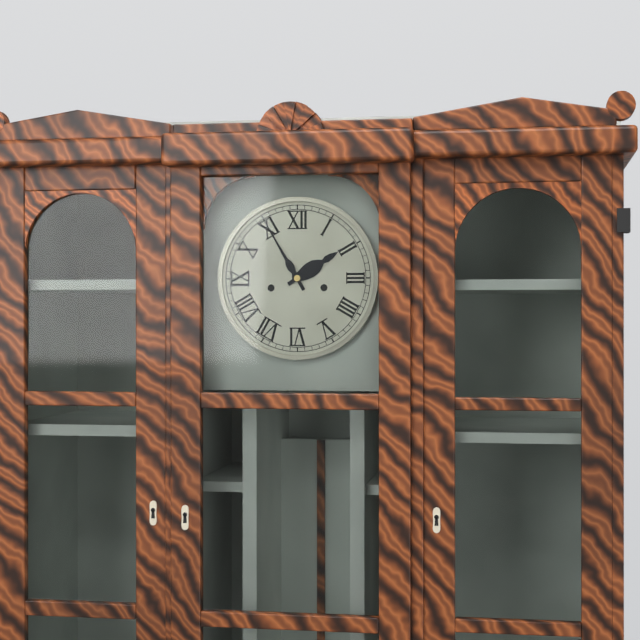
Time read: **1:55**
